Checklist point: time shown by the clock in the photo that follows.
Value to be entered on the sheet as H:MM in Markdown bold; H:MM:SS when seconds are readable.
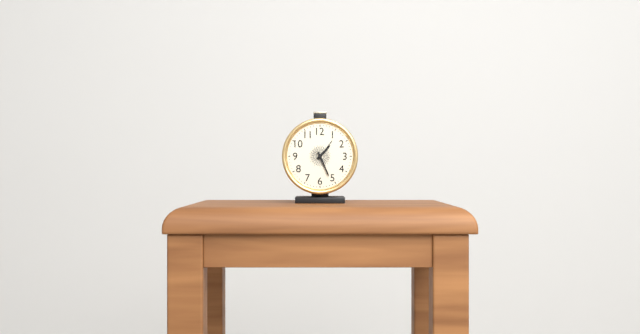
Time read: **1:26**
